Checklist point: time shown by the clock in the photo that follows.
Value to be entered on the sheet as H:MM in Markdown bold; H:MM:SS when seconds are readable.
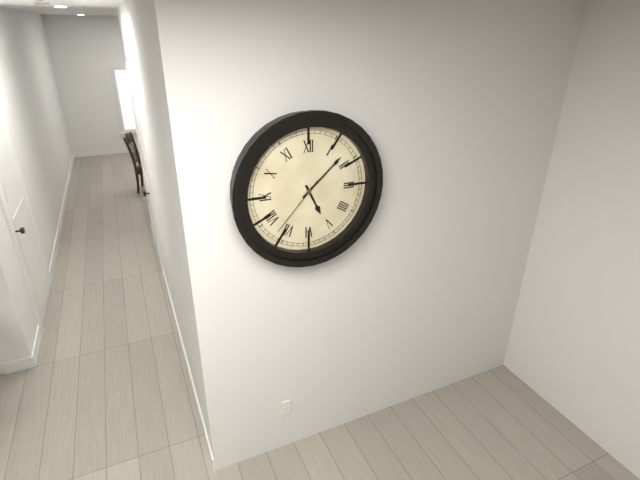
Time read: **5:08:37**
